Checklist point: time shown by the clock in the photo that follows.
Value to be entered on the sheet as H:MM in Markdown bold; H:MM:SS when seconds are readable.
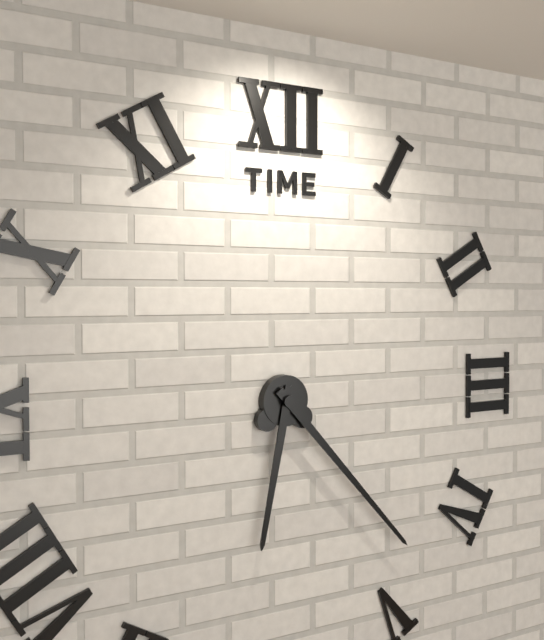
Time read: **6:23**
